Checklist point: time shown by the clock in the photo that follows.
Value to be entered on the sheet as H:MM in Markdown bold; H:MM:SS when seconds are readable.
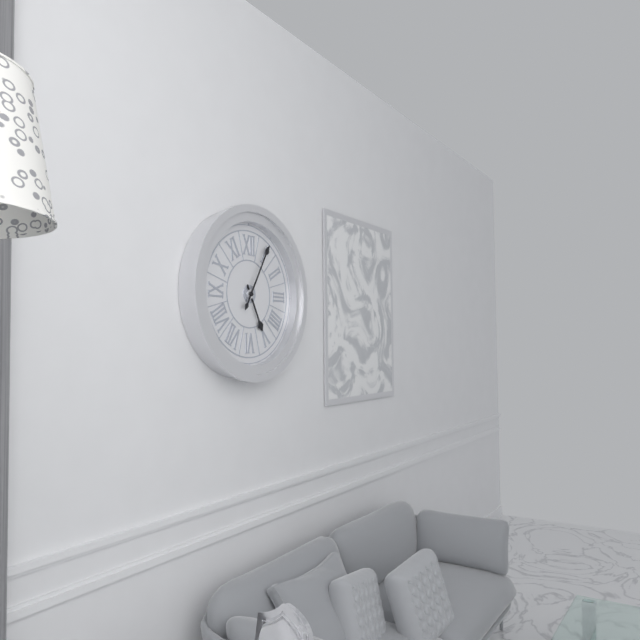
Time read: **5:05**
